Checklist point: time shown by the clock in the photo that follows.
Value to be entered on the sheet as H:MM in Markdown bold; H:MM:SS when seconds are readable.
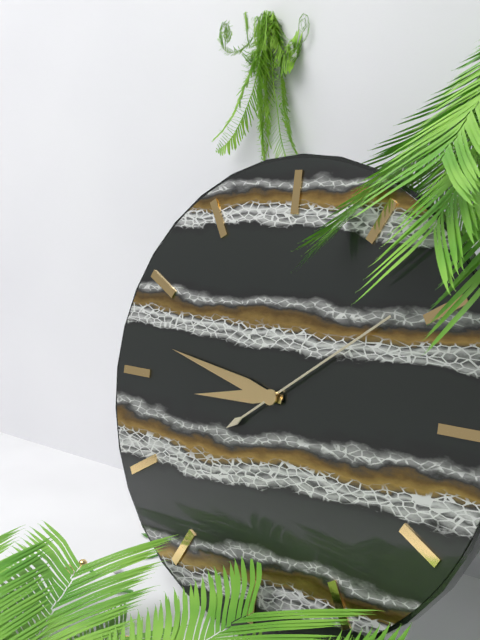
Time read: **8:47:09**
